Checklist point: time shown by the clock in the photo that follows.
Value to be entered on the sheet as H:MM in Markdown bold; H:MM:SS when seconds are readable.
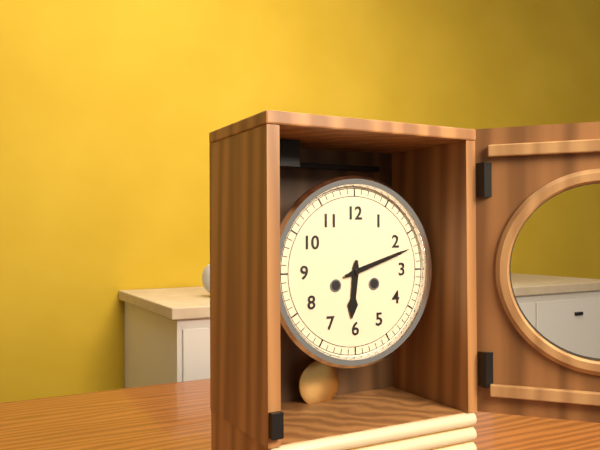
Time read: **6:12**
